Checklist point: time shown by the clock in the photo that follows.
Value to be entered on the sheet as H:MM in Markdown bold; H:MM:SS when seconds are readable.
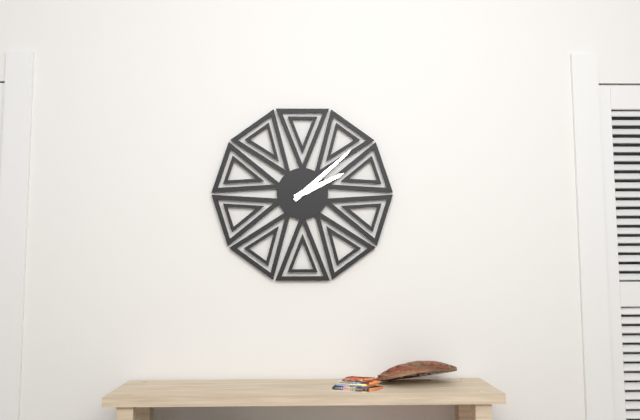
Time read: **2:08**
